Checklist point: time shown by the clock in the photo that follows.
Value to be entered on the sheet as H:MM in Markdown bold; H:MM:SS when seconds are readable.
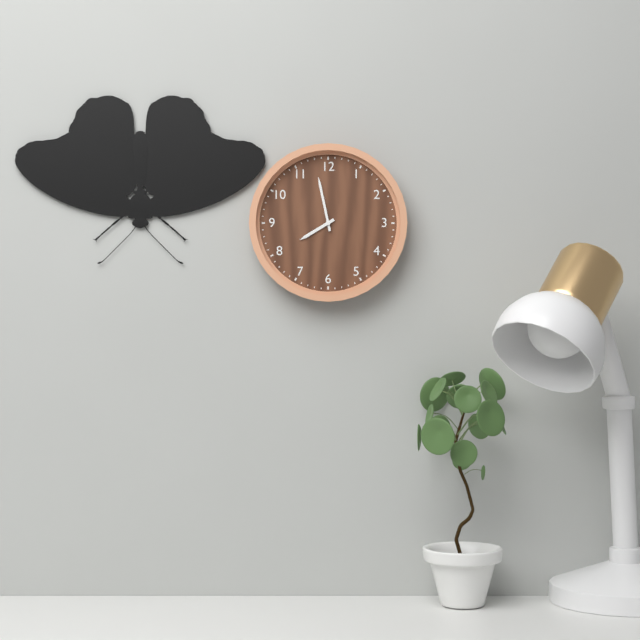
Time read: **7:58**
